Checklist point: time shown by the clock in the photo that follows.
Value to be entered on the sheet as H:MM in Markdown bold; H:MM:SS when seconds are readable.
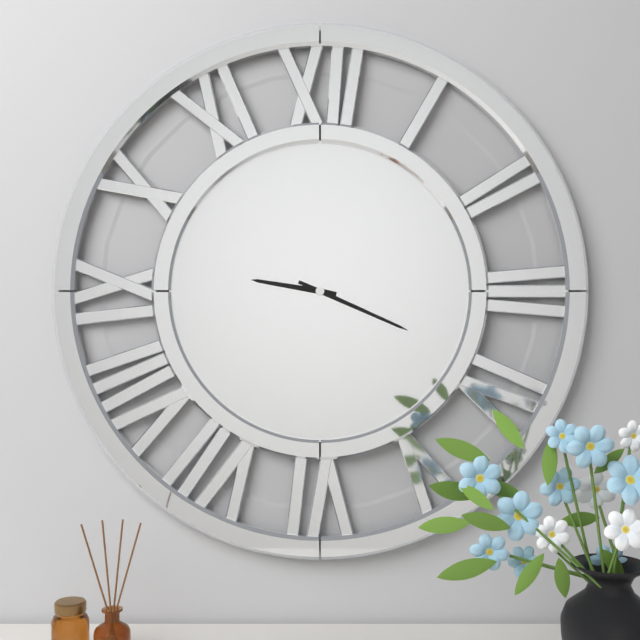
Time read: **9:19**
